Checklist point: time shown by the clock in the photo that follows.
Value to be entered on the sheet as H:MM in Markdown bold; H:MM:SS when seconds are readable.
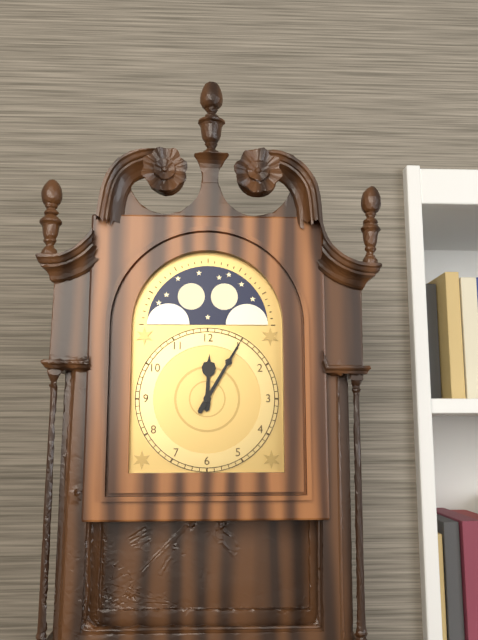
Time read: **12:05**
